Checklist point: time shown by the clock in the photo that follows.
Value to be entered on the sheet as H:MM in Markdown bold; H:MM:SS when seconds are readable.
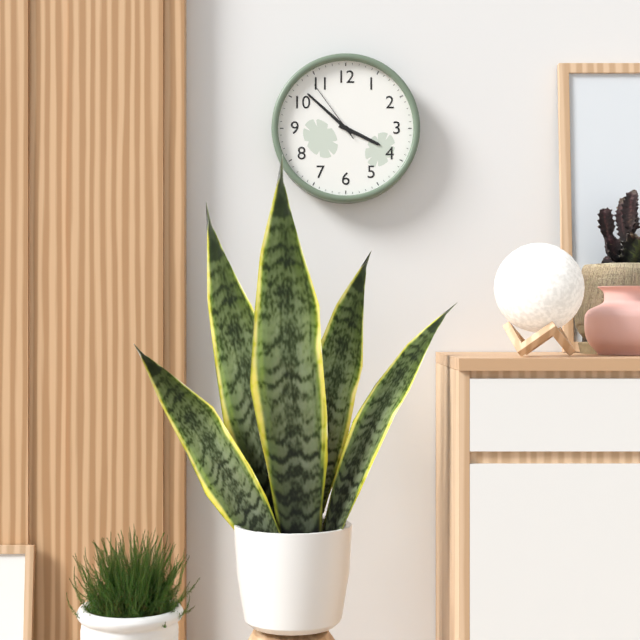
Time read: **3:52:54**
